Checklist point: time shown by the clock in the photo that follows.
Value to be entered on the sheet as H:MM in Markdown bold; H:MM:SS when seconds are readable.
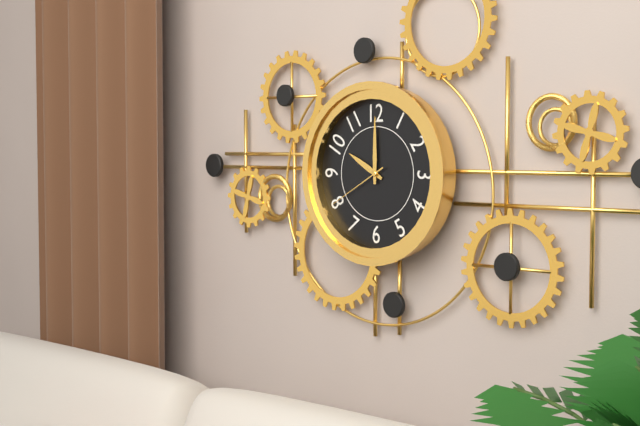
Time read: **10:00:40**
